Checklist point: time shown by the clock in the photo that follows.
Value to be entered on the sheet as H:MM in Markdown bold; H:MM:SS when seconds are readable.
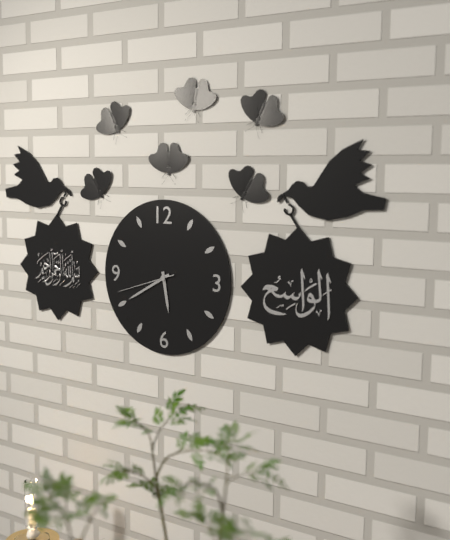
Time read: **5:40:42**
